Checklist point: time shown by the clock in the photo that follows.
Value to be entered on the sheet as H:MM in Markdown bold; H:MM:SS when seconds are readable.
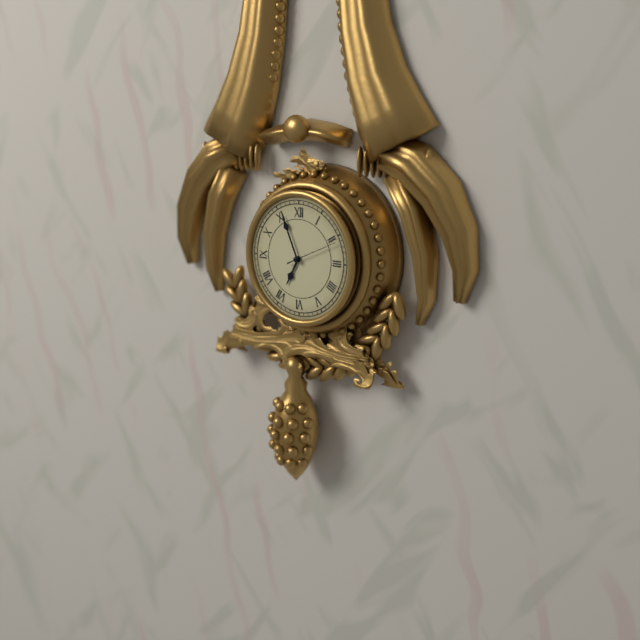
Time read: **6:56:11**
